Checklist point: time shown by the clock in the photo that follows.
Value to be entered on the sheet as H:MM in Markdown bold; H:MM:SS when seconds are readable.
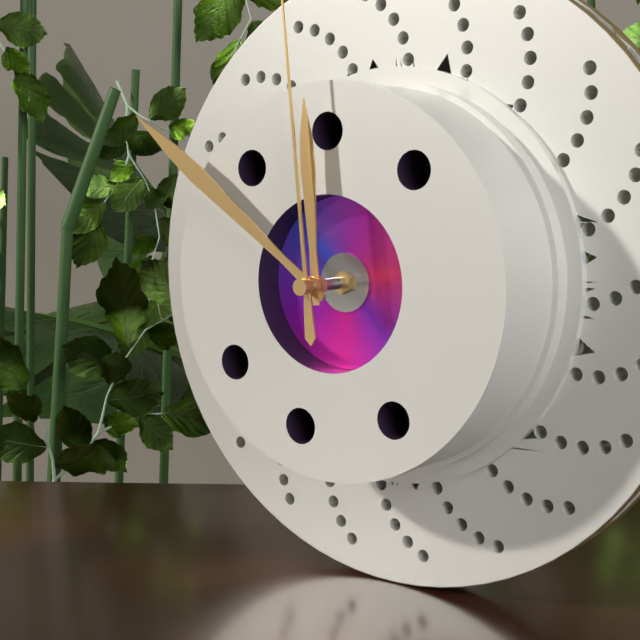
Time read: **11:51**
